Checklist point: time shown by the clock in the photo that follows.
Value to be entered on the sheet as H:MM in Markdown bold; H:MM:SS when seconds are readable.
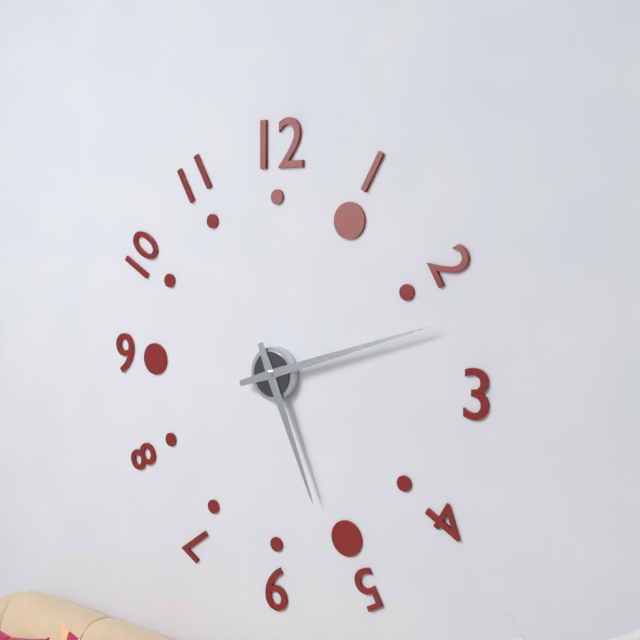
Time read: **5:12**
